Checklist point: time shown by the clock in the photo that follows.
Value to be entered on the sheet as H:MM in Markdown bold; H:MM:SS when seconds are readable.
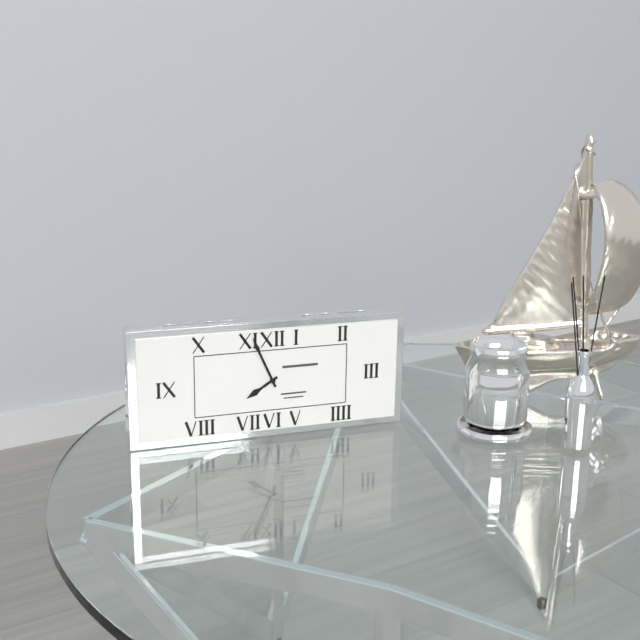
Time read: **7:56**
